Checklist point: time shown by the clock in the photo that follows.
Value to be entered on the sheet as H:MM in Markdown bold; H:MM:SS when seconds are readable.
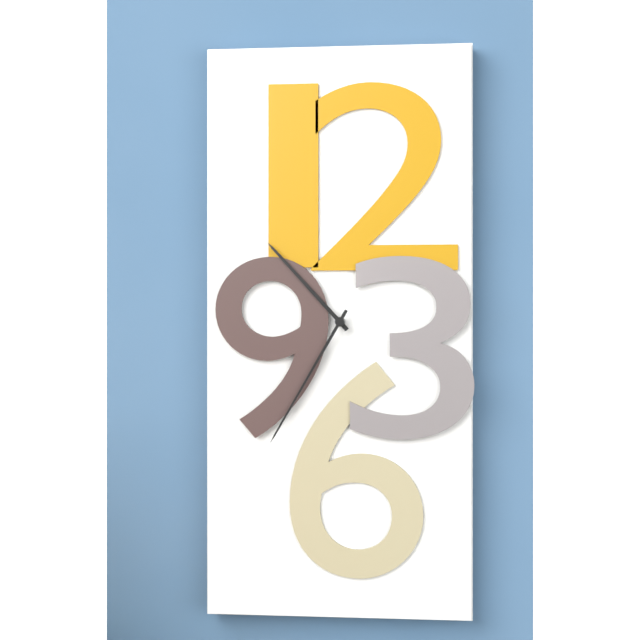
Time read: **10:35**
